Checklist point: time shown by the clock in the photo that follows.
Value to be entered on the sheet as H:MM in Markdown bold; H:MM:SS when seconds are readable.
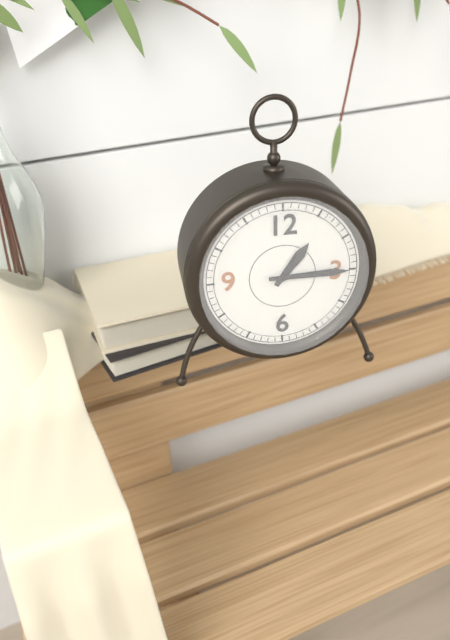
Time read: **1:15**
